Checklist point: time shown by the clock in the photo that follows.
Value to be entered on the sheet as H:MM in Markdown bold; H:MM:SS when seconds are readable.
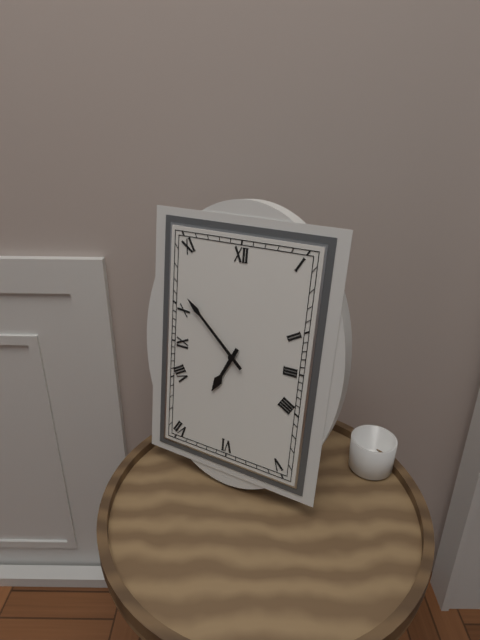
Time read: **6:52**
